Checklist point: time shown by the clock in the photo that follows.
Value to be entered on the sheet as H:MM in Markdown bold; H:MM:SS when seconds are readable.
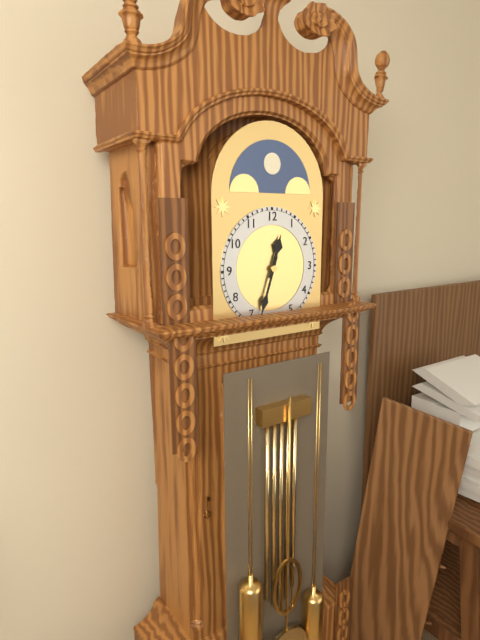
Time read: **12:33**
